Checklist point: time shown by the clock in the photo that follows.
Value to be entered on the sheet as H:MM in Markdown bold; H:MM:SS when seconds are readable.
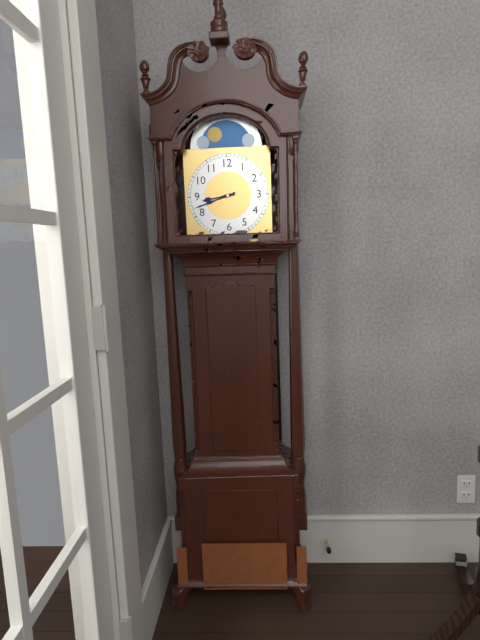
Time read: **8:42**
